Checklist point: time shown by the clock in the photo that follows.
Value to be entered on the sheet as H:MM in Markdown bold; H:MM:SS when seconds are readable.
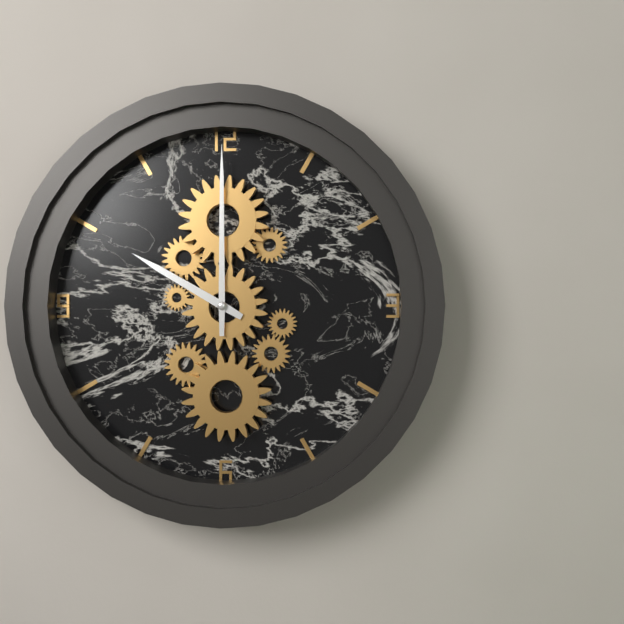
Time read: **10:00**
